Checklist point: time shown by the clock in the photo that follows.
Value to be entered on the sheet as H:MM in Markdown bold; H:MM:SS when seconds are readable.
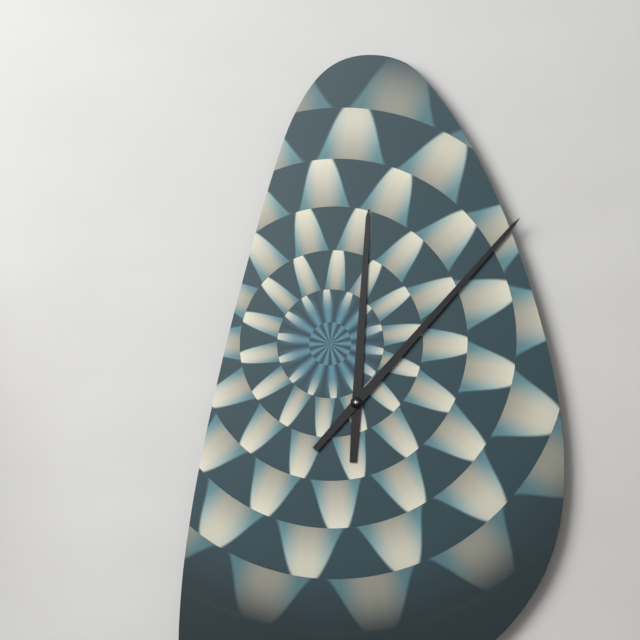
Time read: **12:07**
